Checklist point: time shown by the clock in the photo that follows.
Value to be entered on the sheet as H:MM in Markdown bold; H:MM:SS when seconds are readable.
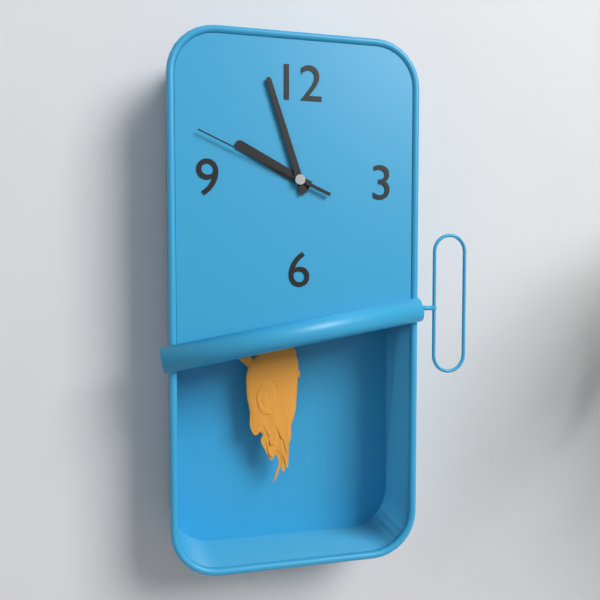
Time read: **9:57:49**
